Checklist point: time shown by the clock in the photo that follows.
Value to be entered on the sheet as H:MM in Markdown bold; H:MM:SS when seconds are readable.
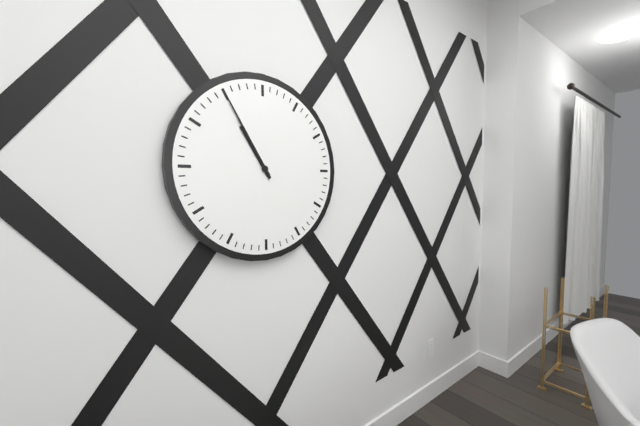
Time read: **10:55**
